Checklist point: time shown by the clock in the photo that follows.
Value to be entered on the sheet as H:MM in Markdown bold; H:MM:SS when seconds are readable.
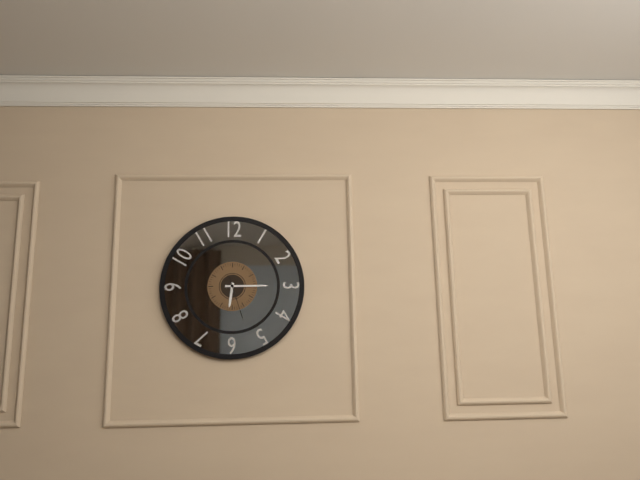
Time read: **6:15**
